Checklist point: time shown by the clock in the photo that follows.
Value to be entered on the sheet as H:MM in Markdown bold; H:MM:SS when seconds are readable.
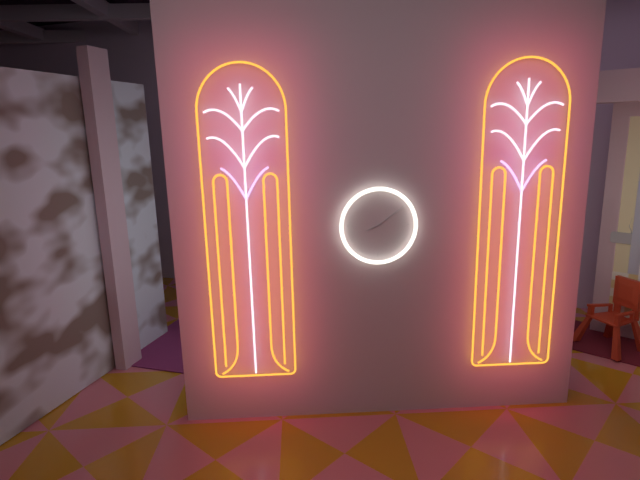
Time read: **8:09**
